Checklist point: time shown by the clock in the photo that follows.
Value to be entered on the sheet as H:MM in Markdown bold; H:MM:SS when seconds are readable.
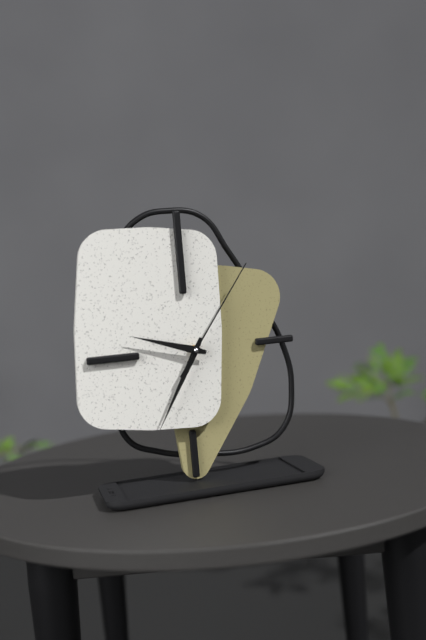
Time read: **9:35:06**
